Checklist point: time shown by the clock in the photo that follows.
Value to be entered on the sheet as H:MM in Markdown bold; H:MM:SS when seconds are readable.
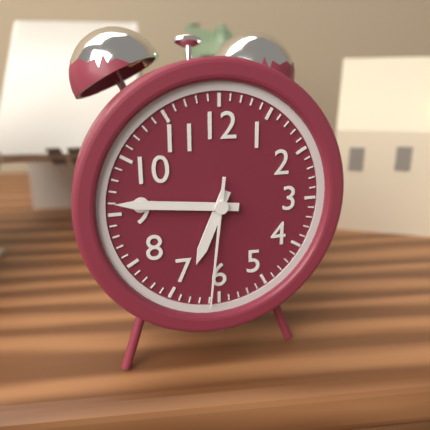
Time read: **6:46:31**
